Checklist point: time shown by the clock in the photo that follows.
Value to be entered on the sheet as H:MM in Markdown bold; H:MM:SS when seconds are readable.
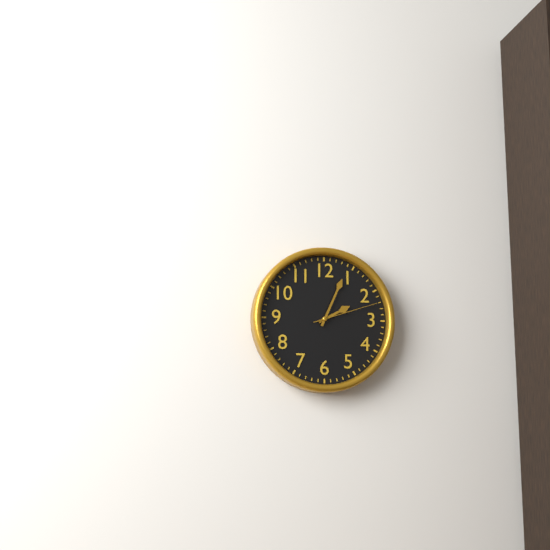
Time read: **2:04:12**
